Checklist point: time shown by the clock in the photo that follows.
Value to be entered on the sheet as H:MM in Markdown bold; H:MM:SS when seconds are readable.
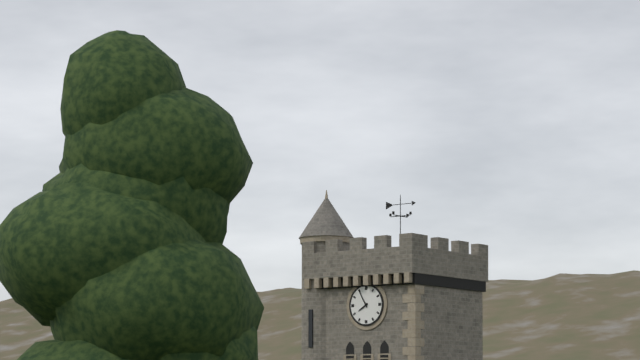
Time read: **7:55**
